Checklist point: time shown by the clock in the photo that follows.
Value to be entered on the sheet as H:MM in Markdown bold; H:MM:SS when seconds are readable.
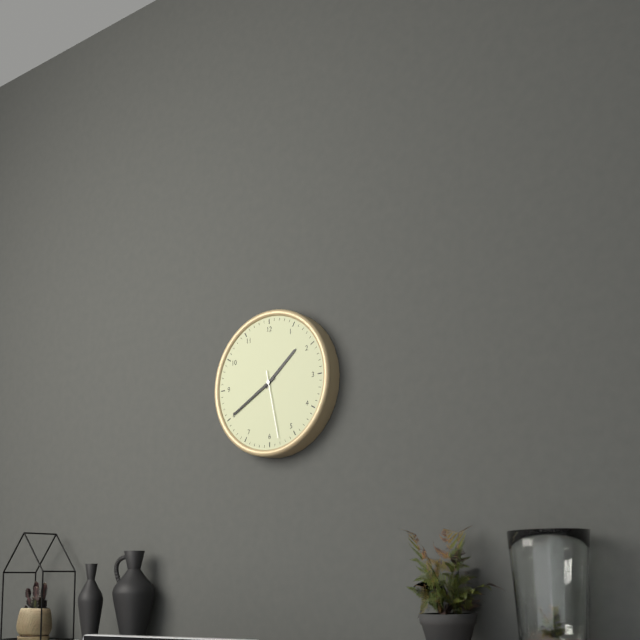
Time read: **1:40:28**
